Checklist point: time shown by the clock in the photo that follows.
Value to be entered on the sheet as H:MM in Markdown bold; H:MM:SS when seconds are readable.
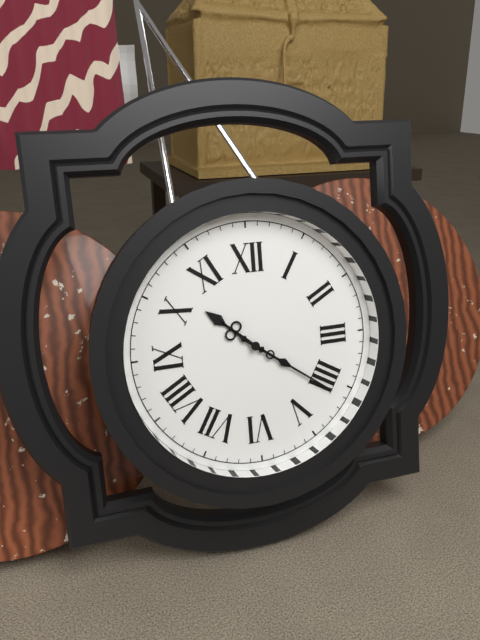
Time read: **10:21**
